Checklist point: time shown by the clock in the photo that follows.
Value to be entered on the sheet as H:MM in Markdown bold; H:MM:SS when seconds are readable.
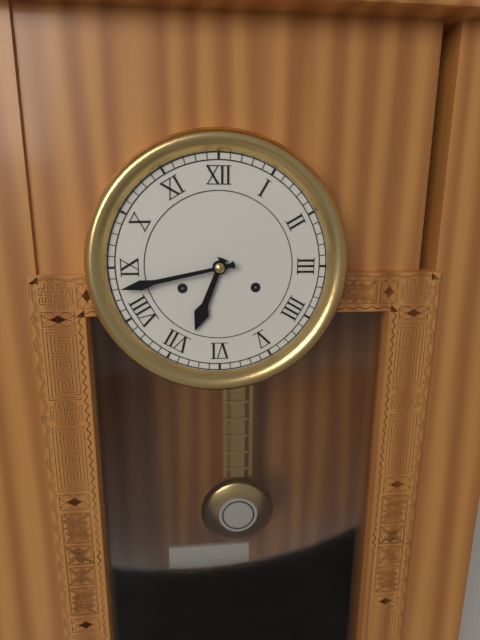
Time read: **6:43**
